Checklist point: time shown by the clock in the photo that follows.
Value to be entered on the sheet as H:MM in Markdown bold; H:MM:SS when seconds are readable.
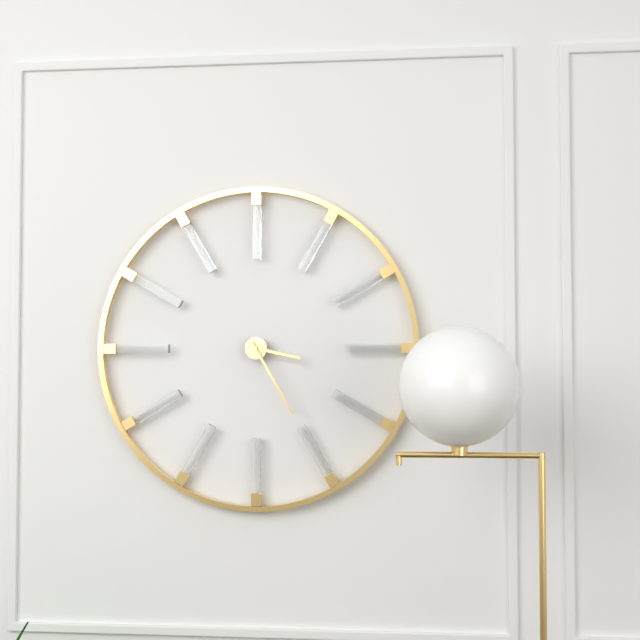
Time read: **3:25**
